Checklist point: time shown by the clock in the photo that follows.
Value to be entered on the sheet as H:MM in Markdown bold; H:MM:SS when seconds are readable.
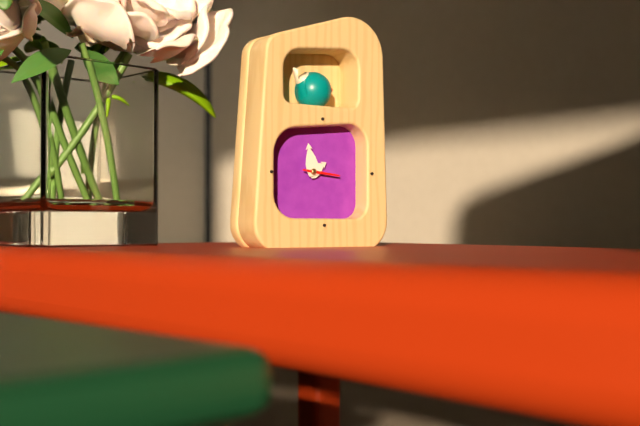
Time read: **1:58**
